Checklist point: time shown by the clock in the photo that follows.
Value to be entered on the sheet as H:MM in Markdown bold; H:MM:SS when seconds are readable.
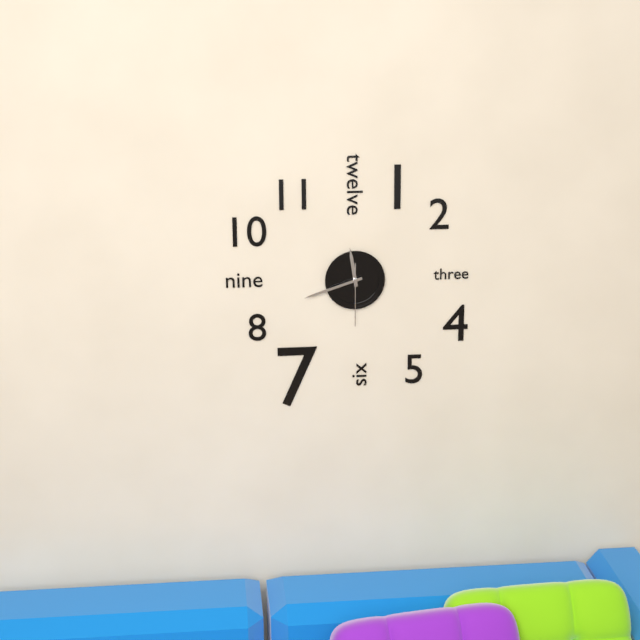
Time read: **11:42:30**
